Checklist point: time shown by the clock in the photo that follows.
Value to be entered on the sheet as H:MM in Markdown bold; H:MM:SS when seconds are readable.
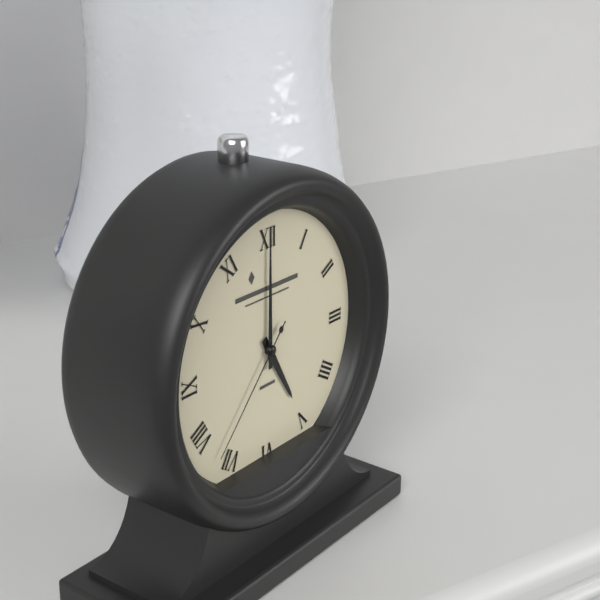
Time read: **5:00:37**
